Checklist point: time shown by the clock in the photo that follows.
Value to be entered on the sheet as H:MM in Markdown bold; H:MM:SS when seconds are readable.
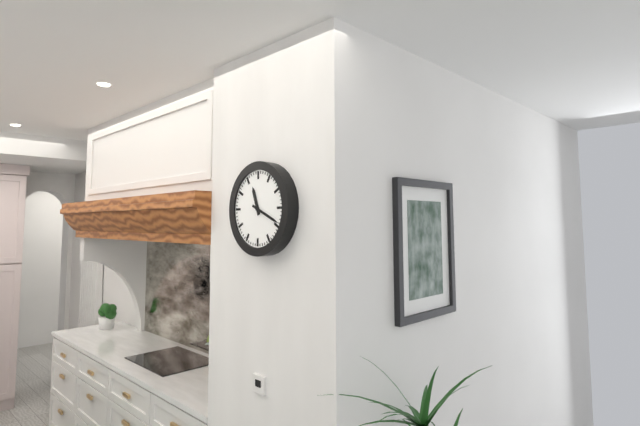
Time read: **11:19**
